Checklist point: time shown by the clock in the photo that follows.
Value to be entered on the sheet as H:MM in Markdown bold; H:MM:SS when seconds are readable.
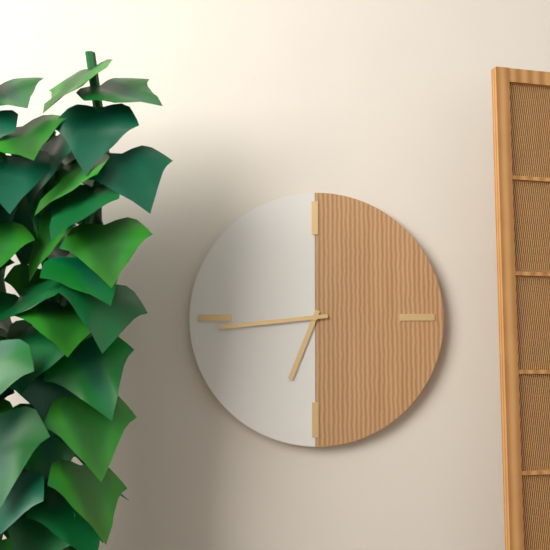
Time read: **6:44**
